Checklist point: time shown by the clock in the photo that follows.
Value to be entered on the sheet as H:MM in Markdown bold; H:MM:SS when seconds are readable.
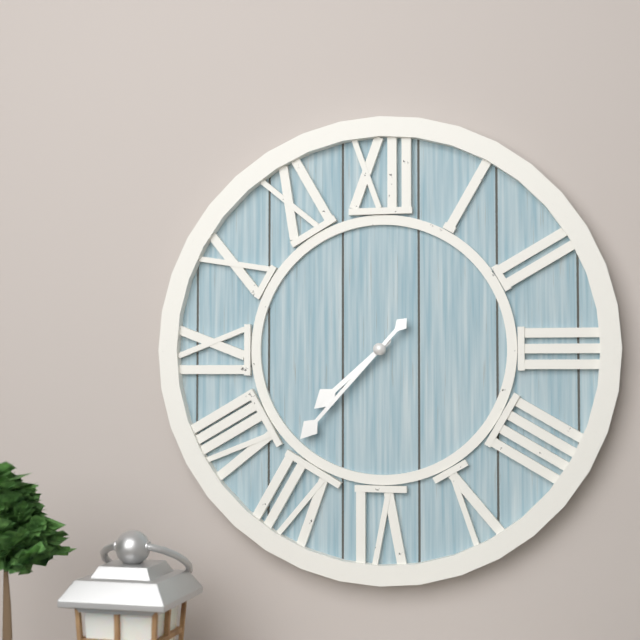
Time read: **7:37**
